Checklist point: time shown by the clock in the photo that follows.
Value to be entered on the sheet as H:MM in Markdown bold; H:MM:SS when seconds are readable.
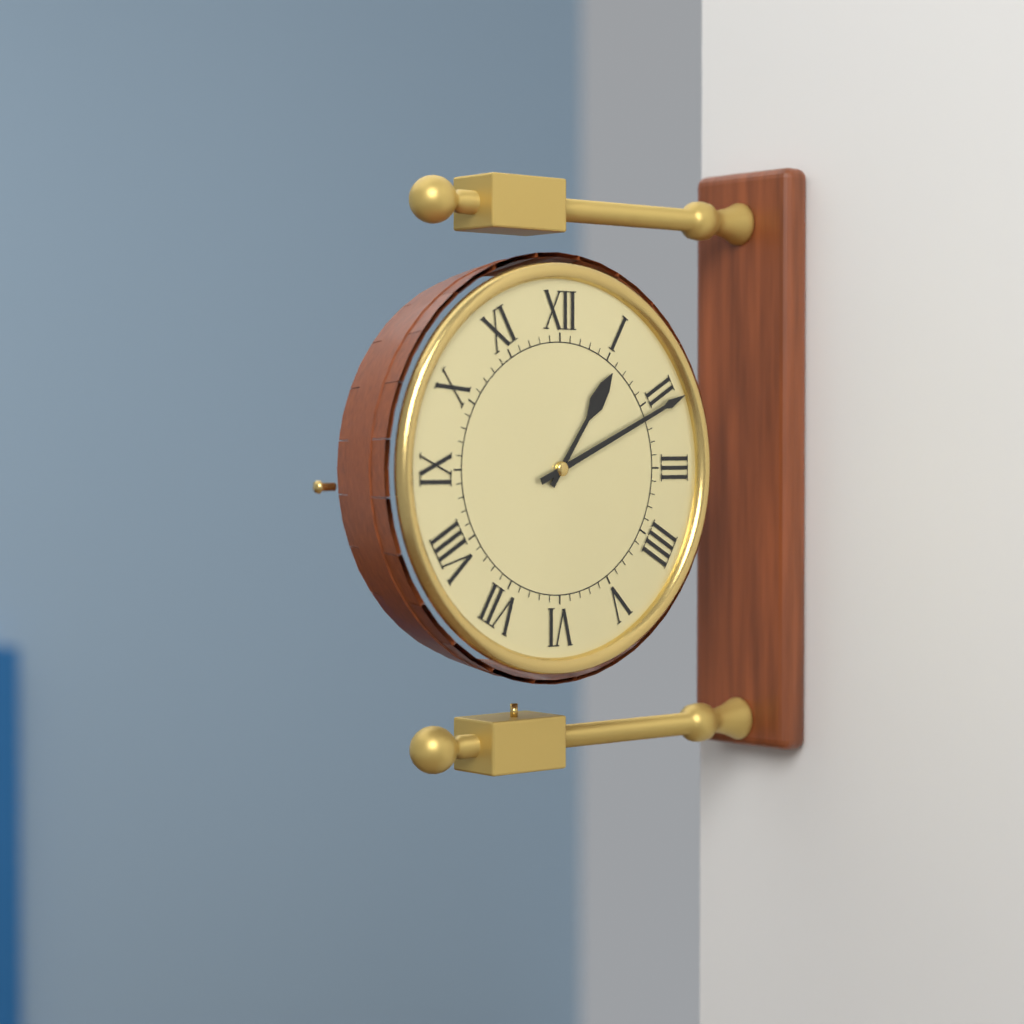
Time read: **1:11**
